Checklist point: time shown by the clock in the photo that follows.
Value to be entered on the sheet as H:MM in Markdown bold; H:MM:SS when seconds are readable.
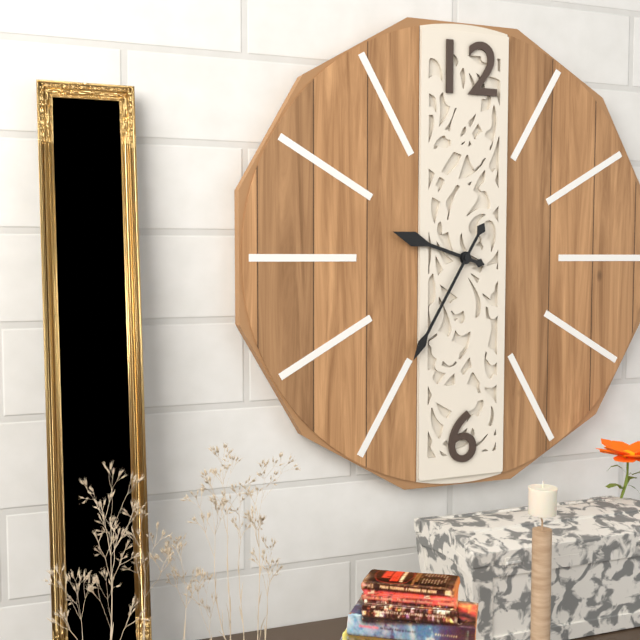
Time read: **9:35**
